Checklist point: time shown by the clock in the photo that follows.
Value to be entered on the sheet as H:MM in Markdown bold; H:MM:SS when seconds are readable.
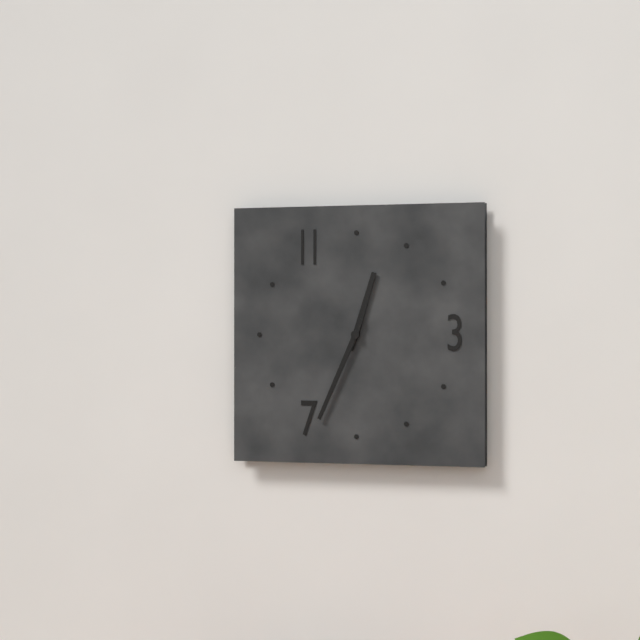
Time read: **12:34**
